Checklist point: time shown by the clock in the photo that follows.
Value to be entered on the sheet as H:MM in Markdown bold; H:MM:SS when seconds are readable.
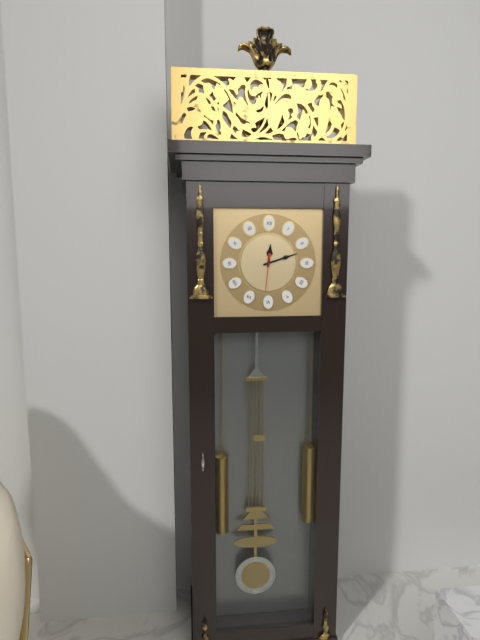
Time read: **12:12**
